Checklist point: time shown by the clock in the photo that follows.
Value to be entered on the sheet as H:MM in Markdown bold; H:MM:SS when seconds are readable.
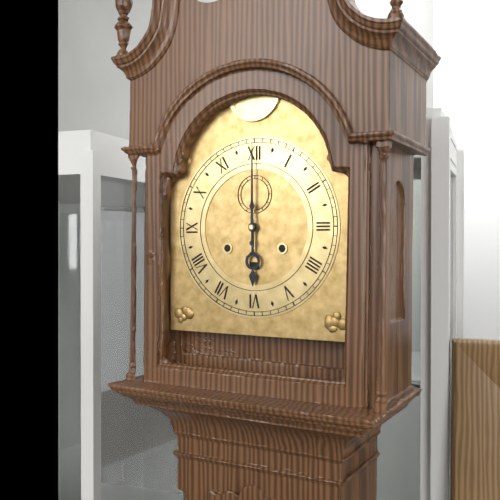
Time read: **6:00**
